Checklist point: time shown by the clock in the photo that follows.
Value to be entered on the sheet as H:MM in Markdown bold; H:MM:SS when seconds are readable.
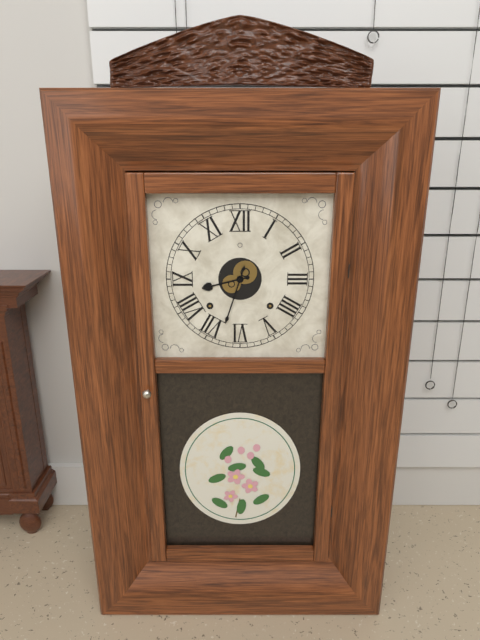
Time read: **8:33**
